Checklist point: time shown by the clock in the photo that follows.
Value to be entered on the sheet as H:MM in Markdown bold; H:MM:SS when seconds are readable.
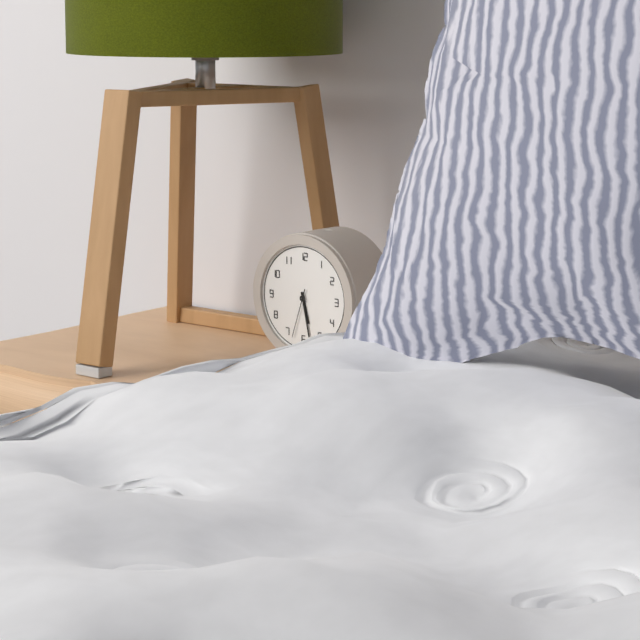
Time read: **5:28:33**
